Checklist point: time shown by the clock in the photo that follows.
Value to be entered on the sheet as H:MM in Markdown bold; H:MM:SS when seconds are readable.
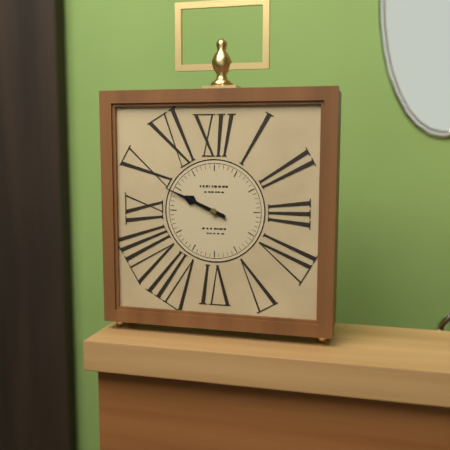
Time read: **9:49**
